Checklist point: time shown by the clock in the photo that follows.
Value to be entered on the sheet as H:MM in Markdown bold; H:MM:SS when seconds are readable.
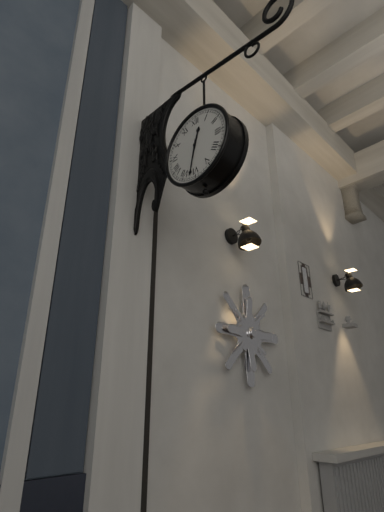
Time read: **12:32**
